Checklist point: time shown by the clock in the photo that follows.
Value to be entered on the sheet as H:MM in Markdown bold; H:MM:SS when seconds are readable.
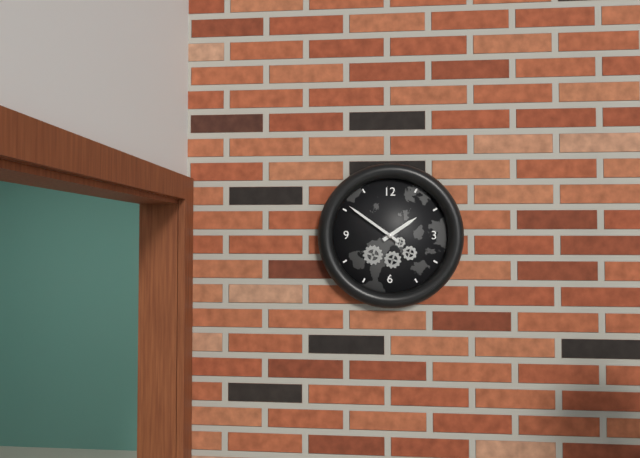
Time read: **1:51**
